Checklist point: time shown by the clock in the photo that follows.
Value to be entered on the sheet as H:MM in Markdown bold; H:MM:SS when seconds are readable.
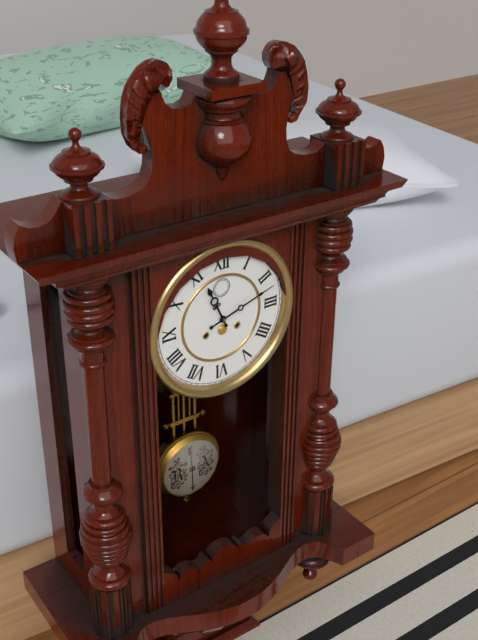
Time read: **11:12**
